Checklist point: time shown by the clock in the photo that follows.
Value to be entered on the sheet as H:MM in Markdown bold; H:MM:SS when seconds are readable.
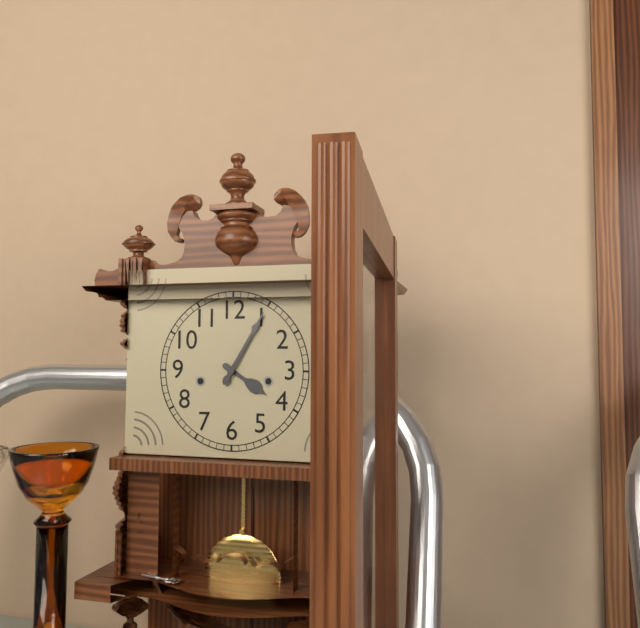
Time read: **4:05**
